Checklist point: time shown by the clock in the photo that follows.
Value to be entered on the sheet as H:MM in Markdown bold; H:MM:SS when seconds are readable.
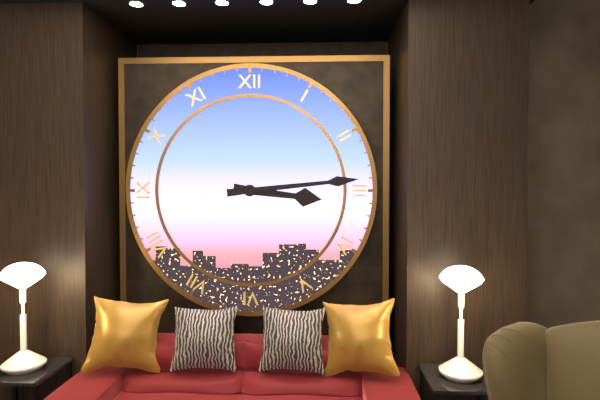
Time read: **3:14**
